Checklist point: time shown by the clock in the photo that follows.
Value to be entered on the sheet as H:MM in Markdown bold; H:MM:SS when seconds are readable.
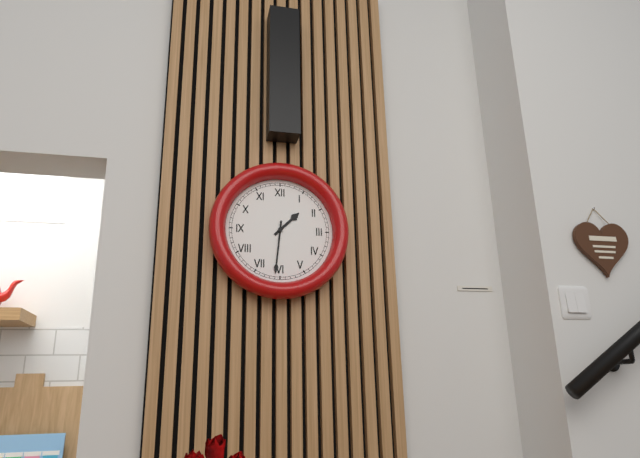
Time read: **1:31**
